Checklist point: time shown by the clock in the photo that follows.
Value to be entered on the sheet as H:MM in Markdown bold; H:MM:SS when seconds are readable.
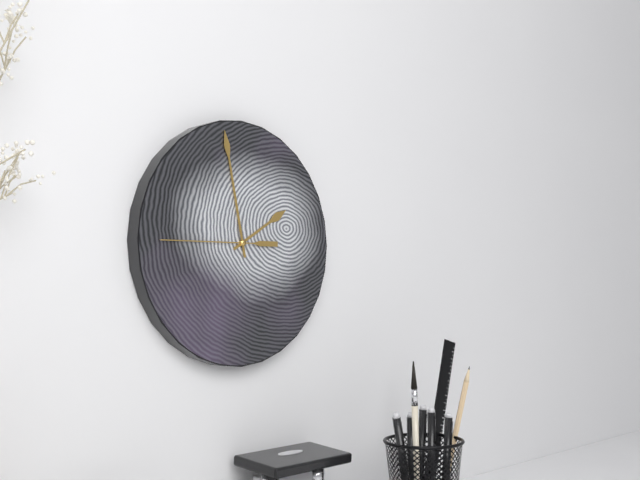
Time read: **1:58:45**
